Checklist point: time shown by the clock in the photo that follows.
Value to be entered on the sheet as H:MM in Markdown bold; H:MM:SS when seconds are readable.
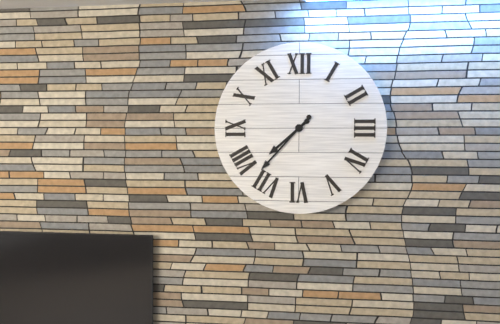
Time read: **7:37**
